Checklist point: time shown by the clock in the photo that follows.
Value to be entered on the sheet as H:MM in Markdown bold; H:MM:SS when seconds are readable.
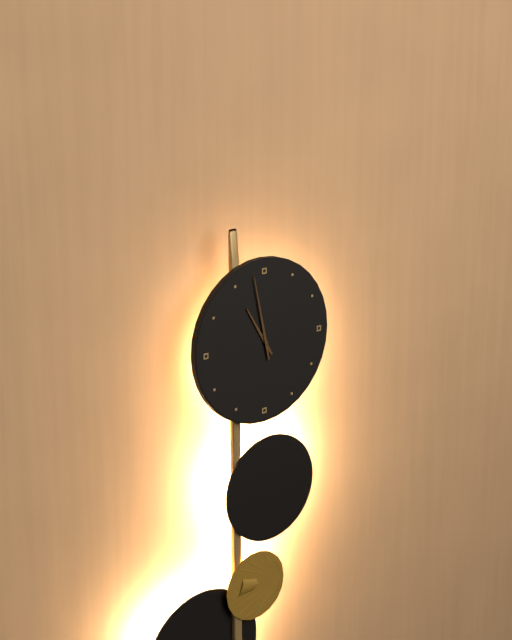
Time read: **10:58**
